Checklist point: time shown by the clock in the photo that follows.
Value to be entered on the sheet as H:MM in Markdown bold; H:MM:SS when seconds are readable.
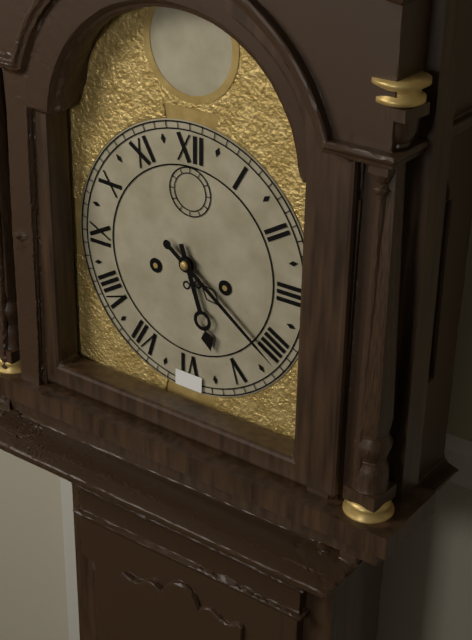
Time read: **5:21**
